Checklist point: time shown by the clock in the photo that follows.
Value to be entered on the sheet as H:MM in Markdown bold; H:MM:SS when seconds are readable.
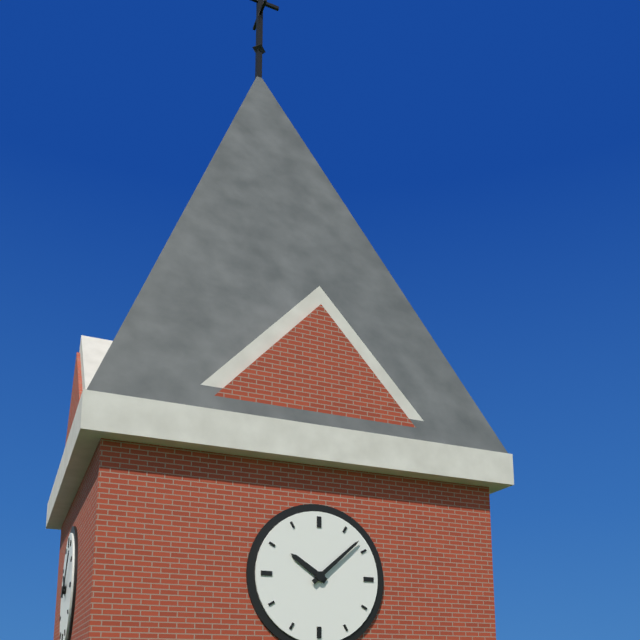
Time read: **10:08**
